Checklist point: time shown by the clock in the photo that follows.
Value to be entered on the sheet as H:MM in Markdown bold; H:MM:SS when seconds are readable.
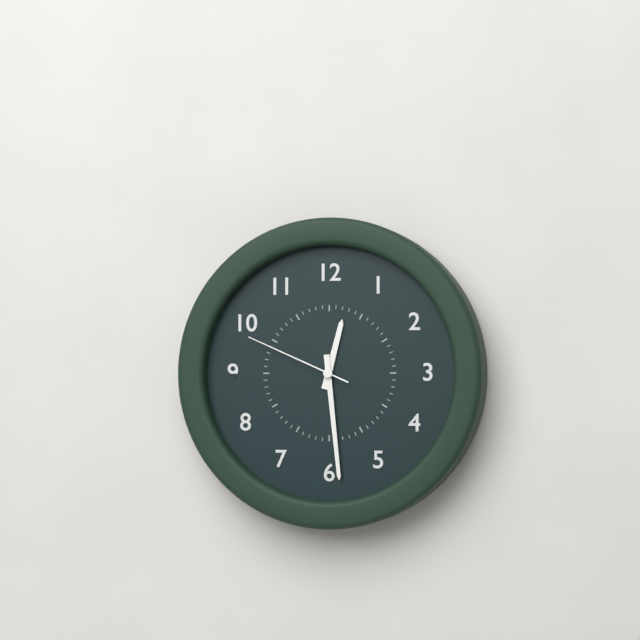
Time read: **12:29:49**
